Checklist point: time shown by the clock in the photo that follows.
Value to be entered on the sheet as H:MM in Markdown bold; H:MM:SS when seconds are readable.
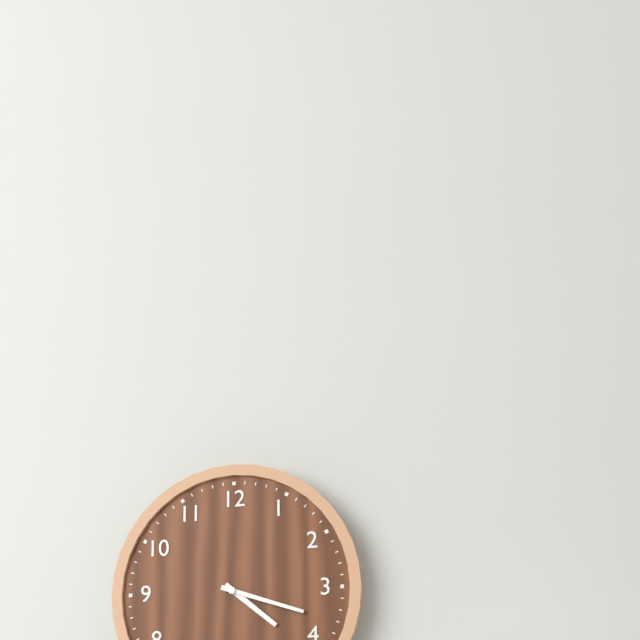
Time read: **4:18**
